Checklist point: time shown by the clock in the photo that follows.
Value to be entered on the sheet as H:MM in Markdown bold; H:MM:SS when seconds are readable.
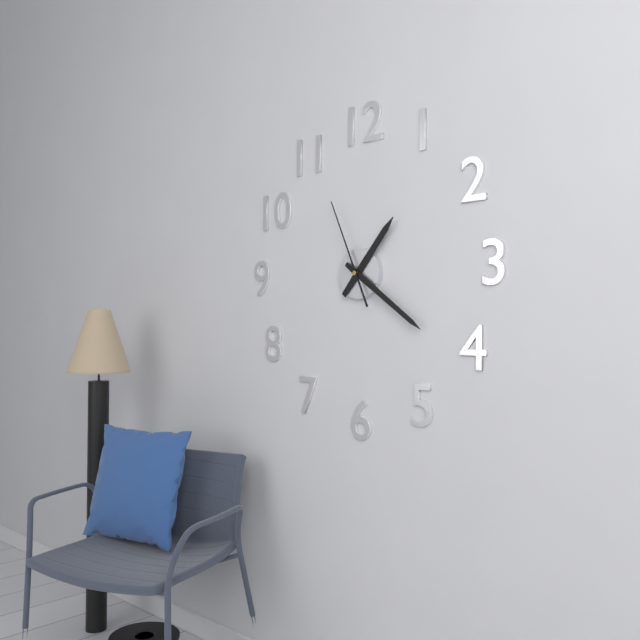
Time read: **1:21:56**
